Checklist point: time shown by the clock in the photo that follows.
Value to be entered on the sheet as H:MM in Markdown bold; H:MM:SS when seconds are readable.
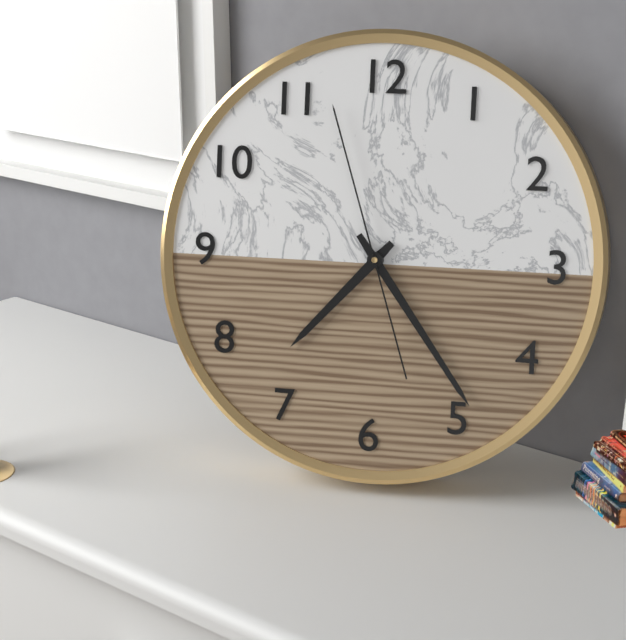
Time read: **7:24:57**
